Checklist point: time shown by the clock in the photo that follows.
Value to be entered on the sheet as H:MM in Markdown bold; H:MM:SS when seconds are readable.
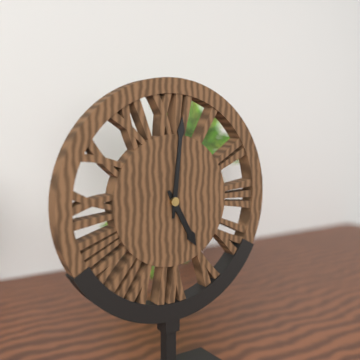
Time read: **5:01**
